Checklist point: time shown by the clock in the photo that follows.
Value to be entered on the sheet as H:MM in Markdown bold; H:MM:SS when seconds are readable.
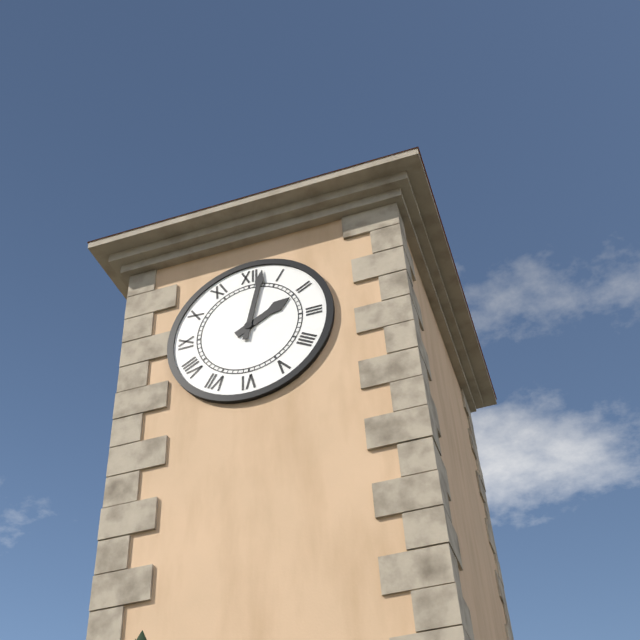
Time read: **2:02**
